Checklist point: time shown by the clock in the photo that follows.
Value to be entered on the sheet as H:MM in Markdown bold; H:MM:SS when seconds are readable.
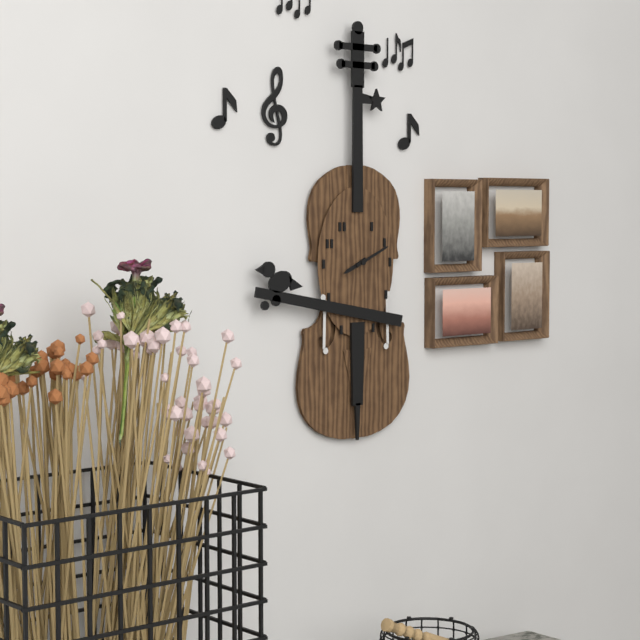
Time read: **8:11**
